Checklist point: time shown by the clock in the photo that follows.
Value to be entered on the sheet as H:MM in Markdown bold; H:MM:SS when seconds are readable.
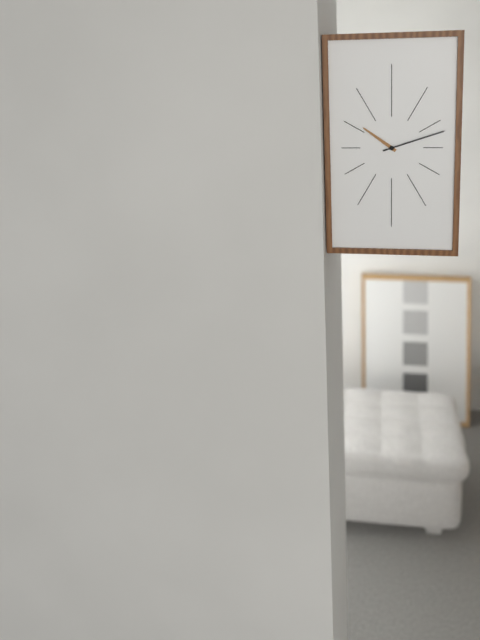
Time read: **10:12**
